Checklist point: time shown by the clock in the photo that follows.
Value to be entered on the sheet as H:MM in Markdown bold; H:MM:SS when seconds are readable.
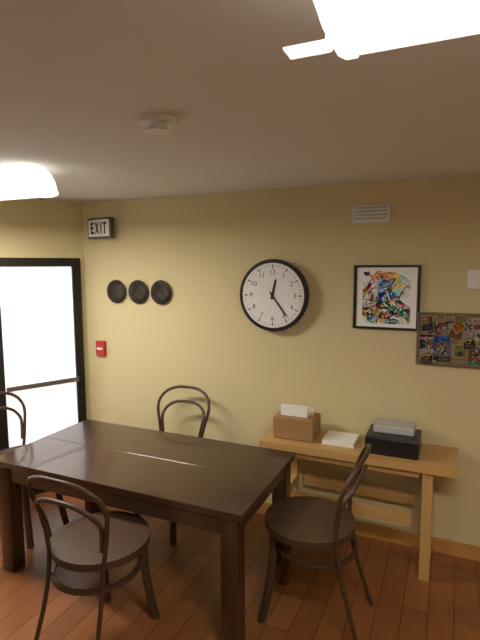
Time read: **12:24**
